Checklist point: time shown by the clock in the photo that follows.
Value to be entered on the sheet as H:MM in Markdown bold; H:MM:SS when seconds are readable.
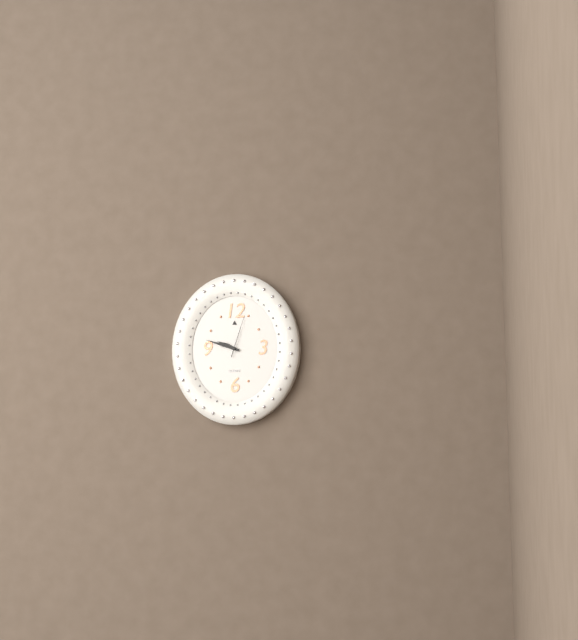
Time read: **9:48**
